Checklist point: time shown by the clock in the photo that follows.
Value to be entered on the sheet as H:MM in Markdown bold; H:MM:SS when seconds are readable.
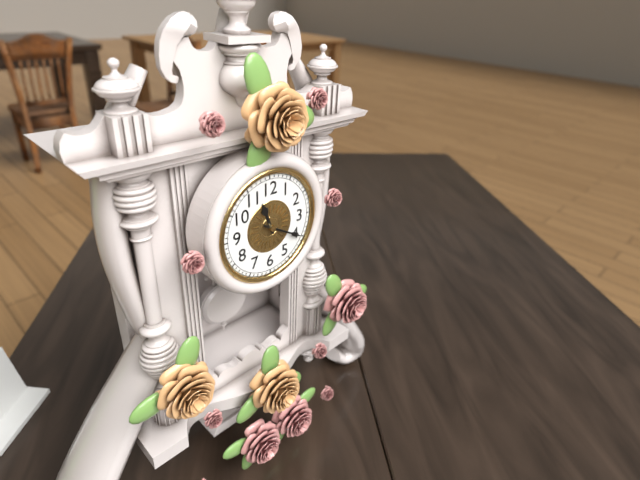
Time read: **11:20**
